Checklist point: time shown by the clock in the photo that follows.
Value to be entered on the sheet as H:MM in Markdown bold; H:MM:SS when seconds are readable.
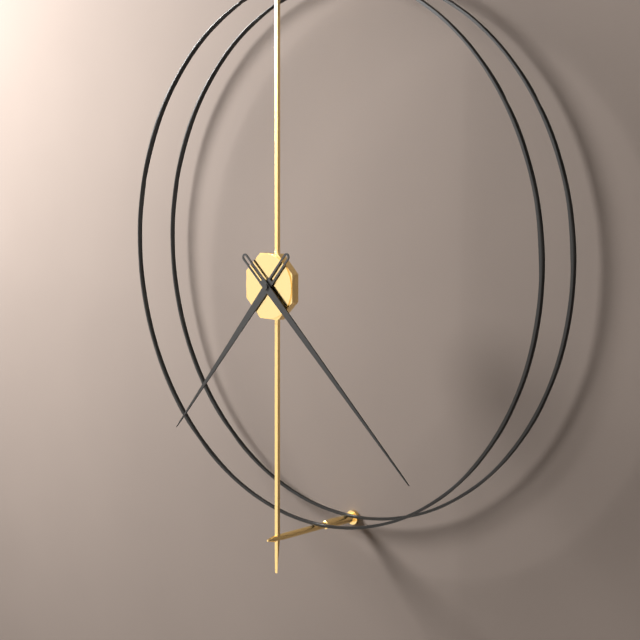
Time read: **7:22**
